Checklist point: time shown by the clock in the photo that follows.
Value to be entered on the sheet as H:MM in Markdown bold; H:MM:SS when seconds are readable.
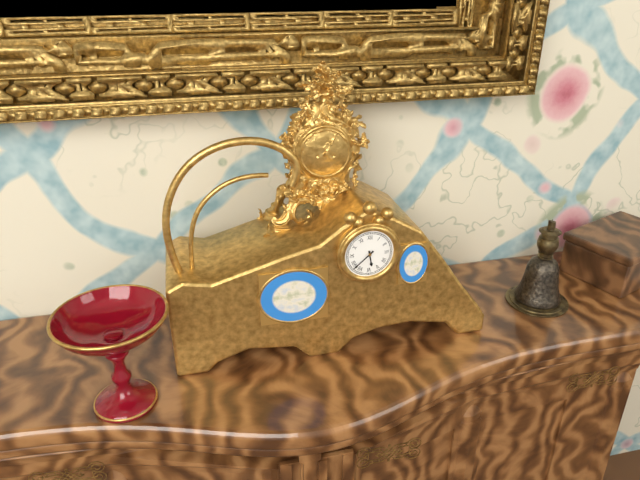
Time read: **5:38**
